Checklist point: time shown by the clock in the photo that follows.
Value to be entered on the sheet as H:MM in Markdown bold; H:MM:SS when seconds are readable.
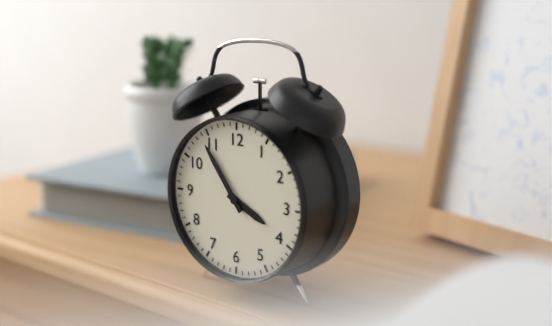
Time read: **3:54**
